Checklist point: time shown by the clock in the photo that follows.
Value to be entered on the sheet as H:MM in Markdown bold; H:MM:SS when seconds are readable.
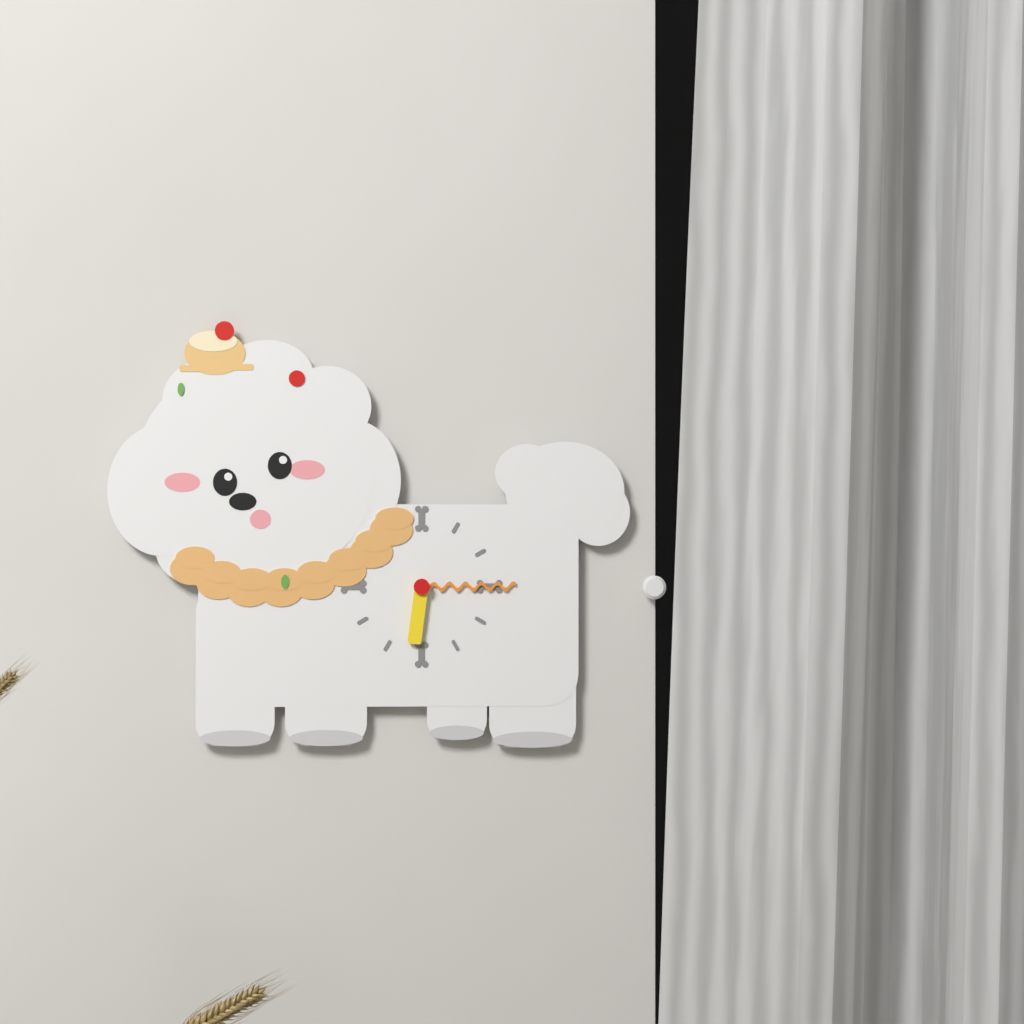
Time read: **6:15**
